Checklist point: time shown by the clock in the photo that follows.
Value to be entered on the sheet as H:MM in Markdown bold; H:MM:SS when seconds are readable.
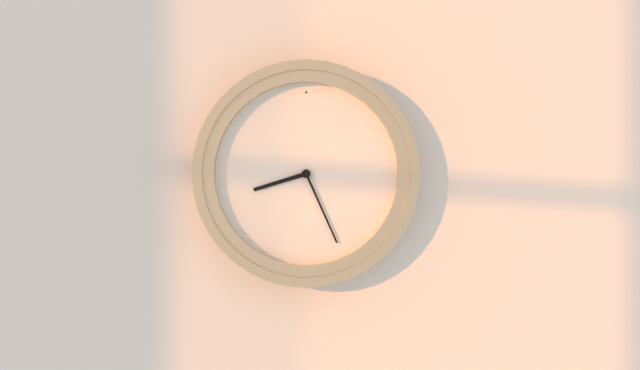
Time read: **8:26**
